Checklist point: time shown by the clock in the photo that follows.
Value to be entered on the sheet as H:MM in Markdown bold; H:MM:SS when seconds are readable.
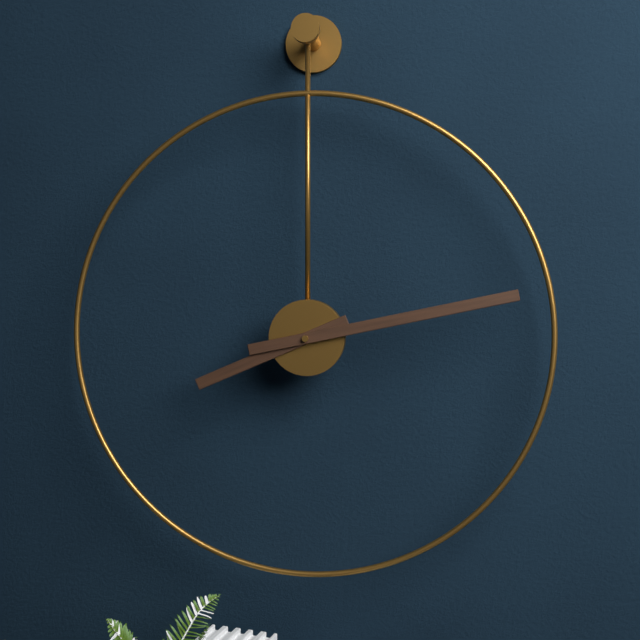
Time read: **8:13**
